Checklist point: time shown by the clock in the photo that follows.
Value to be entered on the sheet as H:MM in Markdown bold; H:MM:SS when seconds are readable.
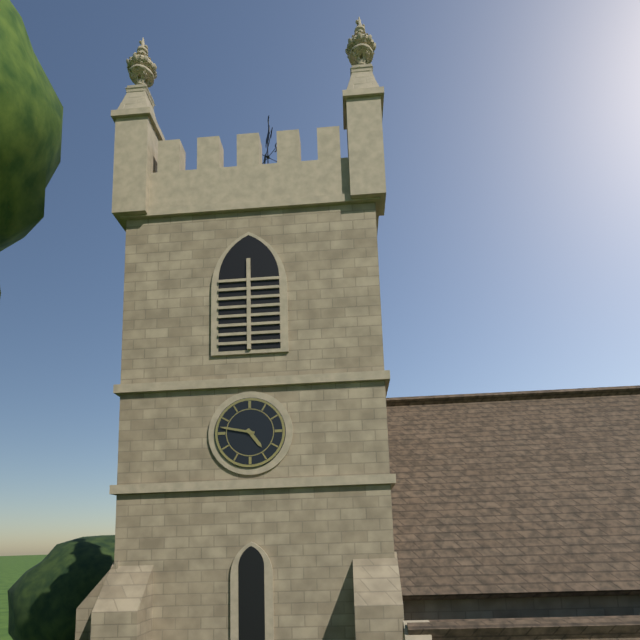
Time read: **4:47**
